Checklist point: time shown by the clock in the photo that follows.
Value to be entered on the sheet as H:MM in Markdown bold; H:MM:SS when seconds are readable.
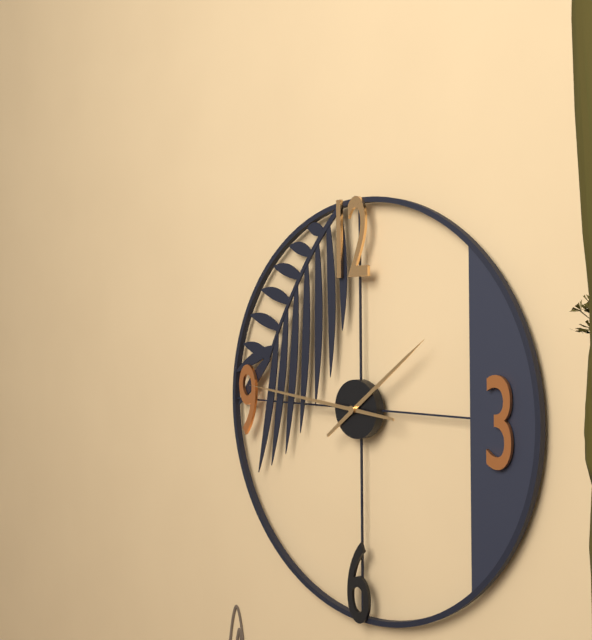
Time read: **1:46**
